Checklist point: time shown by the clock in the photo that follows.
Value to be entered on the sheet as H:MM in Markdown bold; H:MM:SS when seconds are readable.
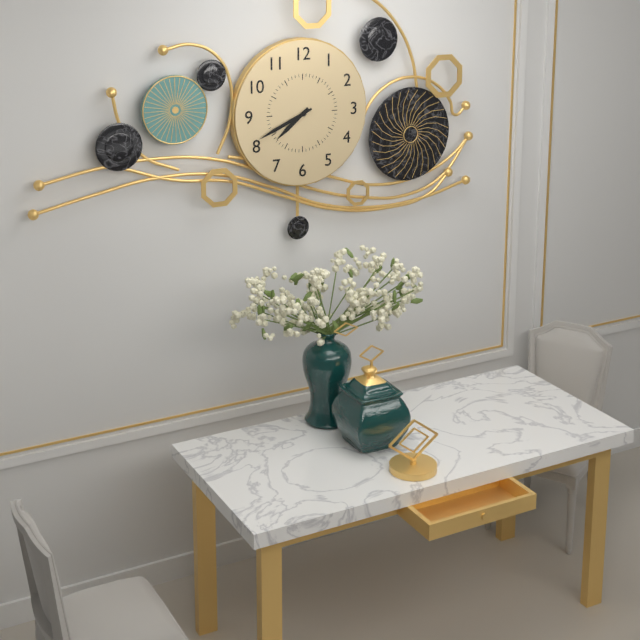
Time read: **7:41**
